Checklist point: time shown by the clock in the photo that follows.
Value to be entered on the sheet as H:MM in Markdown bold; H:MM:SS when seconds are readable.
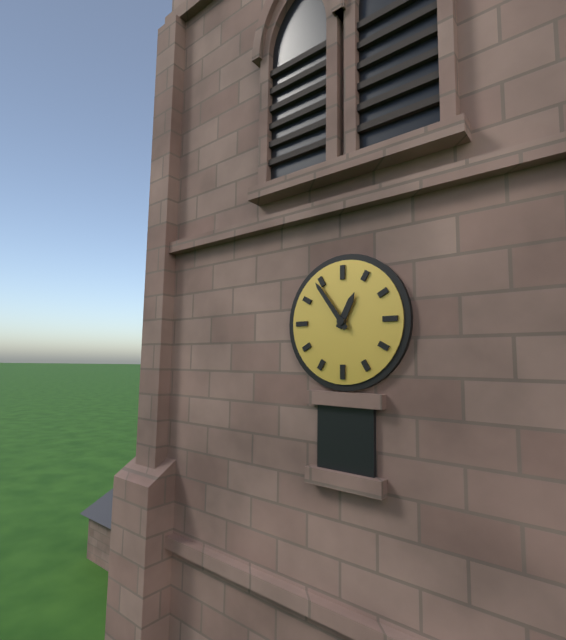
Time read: **12:54**
